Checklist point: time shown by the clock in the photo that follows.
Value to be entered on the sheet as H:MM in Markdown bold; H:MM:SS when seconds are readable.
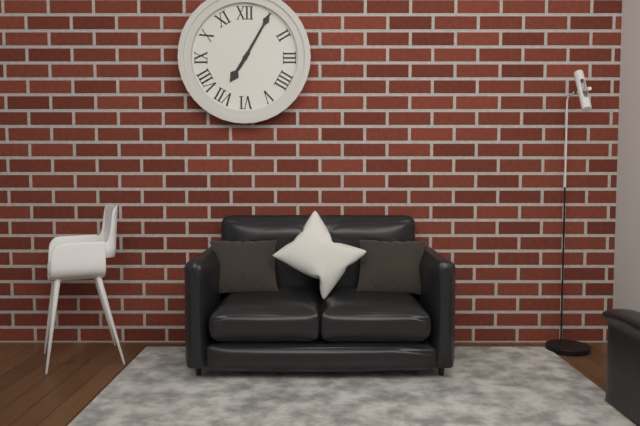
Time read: **7:05**
